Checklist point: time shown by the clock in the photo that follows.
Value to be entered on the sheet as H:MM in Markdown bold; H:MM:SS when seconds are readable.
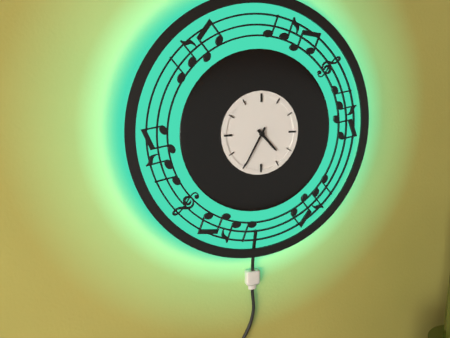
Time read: **4:35**
